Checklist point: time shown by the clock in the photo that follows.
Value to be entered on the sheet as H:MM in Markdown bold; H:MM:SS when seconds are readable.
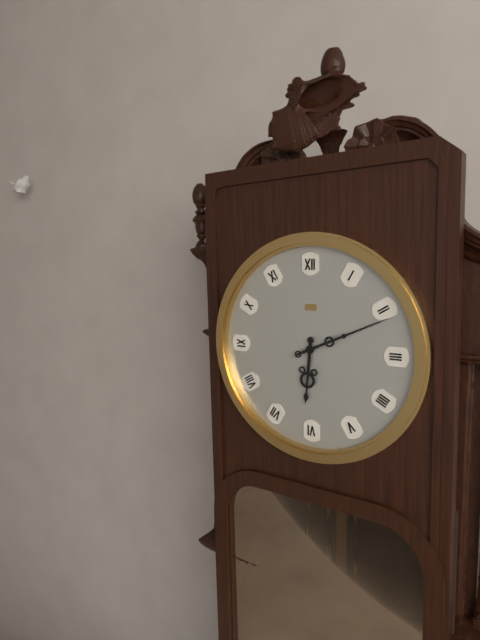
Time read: **6:11**
